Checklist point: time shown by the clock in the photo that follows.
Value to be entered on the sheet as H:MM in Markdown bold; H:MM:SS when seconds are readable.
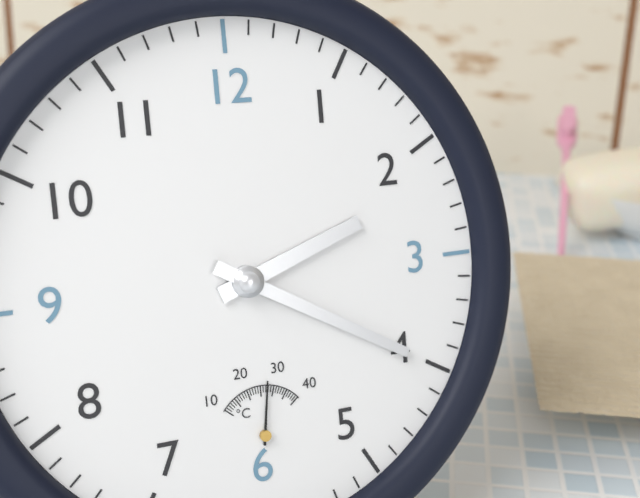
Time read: **2:20**
